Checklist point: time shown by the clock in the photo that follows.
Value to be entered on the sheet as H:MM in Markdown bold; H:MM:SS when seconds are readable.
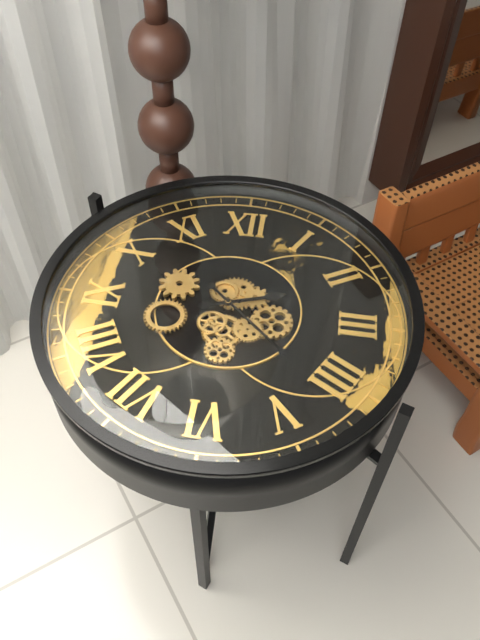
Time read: **2:22**
